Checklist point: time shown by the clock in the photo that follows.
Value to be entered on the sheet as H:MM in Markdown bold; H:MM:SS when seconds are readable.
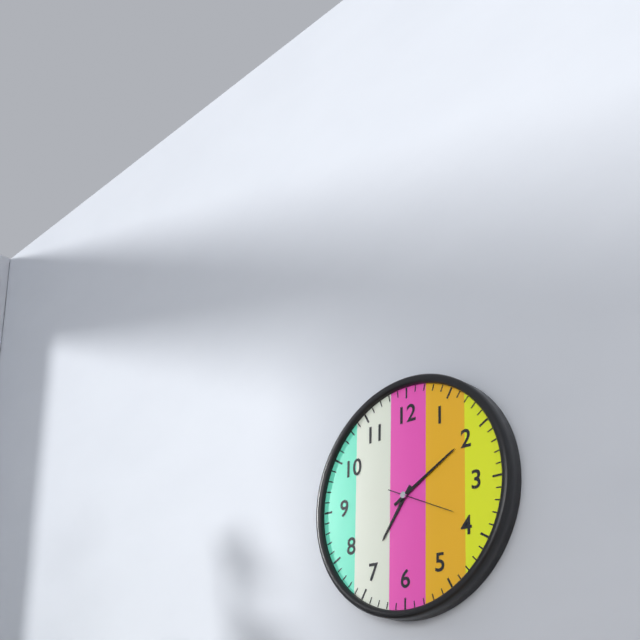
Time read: **7:10:19**
